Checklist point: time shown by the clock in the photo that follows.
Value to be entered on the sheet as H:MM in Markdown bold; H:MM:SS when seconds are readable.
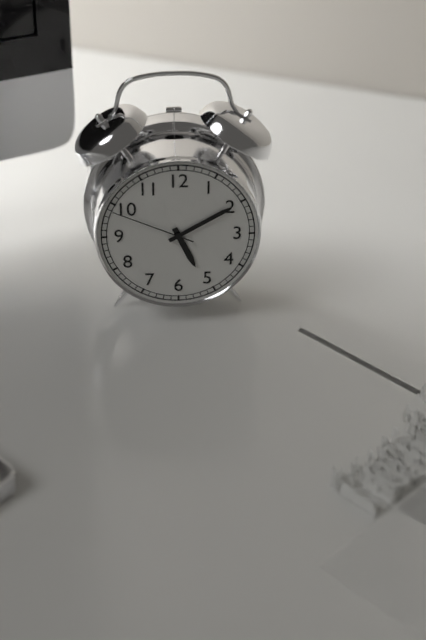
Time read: **5:10:49**
